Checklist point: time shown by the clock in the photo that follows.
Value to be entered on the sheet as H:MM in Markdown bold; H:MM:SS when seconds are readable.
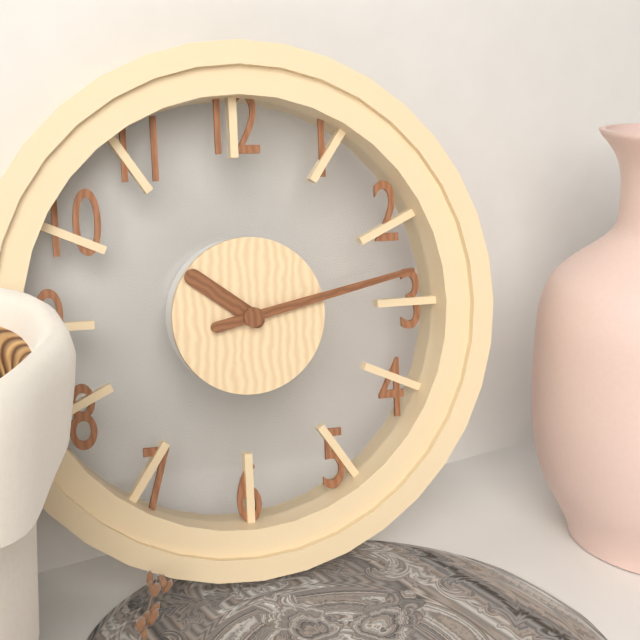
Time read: **10:13**
